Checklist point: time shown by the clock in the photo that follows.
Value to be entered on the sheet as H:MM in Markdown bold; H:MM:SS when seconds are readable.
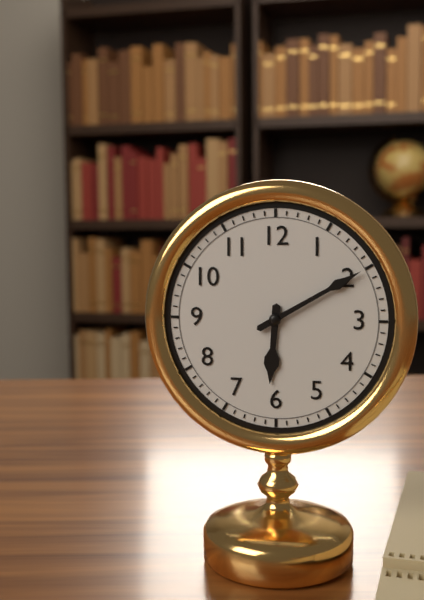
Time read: **6:10**
